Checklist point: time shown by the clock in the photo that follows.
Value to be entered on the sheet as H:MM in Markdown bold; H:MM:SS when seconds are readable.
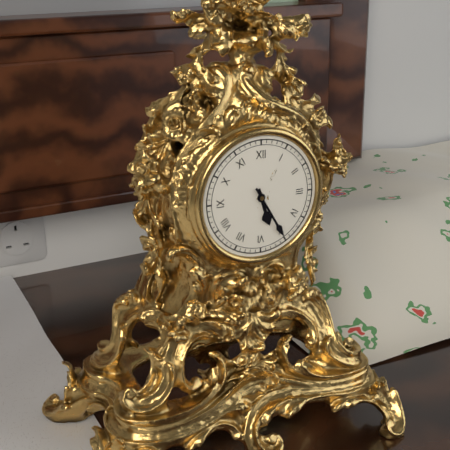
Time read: **5:25**
